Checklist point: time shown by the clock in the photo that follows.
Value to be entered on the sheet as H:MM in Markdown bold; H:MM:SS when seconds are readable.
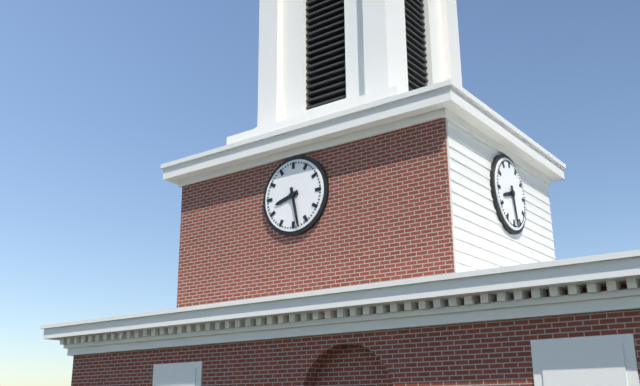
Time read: **8:28**
